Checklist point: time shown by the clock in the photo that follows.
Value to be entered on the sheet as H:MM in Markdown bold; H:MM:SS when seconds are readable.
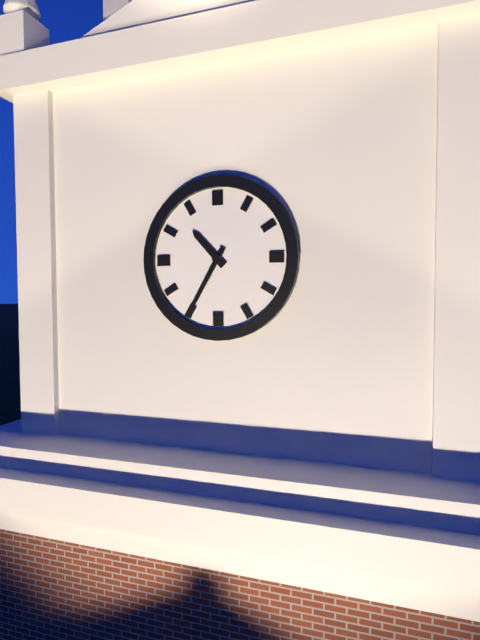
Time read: **10:35**
